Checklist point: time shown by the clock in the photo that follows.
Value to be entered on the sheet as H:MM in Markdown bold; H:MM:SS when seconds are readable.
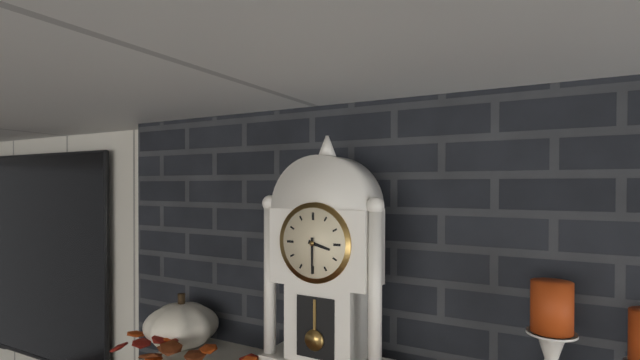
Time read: **3:30**
